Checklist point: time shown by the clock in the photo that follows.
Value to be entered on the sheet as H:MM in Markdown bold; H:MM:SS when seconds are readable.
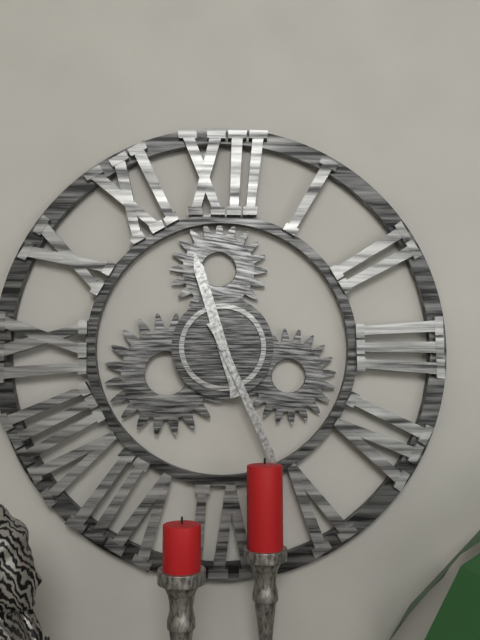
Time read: **11:26**
